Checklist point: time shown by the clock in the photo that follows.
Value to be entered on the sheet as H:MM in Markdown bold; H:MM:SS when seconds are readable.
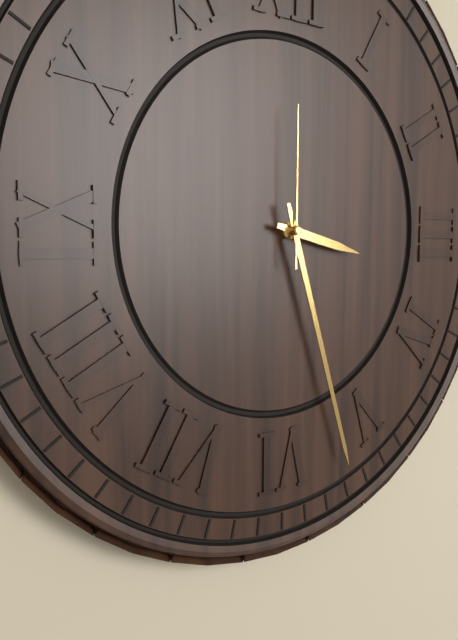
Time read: **3:27:00**
